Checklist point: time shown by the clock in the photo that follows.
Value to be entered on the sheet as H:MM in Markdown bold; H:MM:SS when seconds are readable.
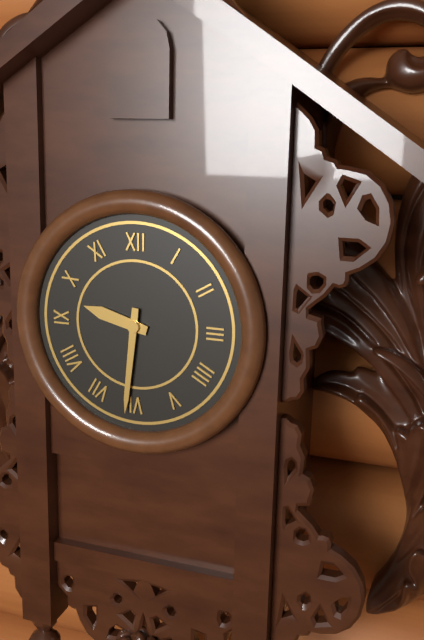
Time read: **9:31**
